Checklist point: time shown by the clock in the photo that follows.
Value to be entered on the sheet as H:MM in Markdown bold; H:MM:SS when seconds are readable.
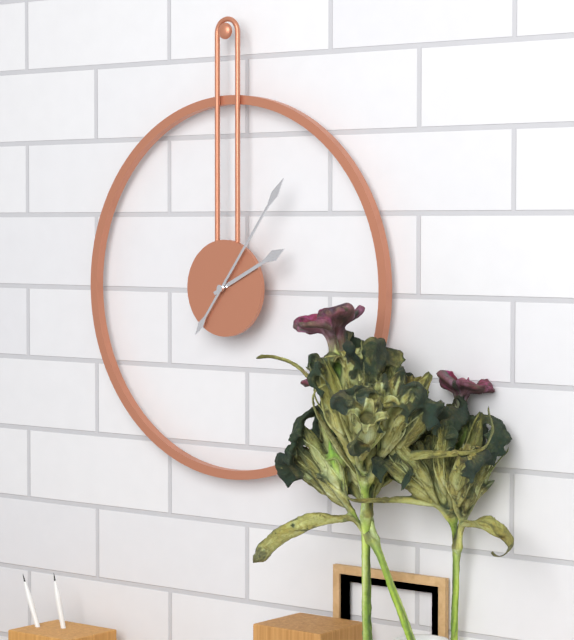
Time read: **2:06**
